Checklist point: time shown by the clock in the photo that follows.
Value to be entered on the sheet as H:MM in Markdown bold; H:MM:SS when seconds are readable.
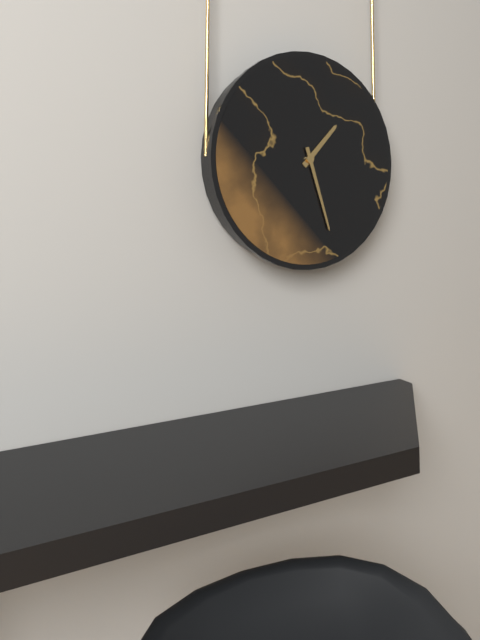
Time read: **1:27**
